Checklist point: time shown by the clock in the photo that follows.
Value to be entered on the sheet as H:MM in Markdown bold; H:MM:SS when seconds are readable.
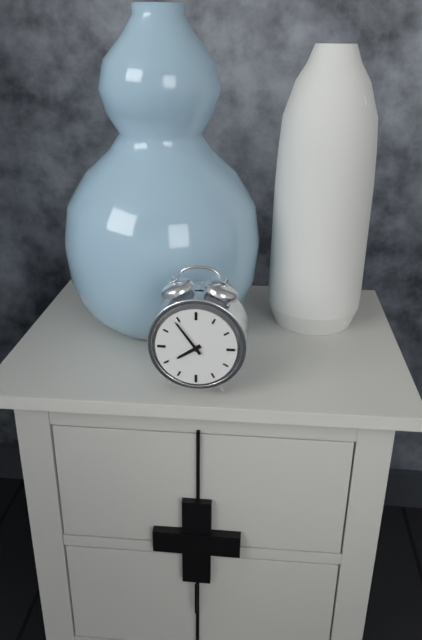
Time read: **7:54**
